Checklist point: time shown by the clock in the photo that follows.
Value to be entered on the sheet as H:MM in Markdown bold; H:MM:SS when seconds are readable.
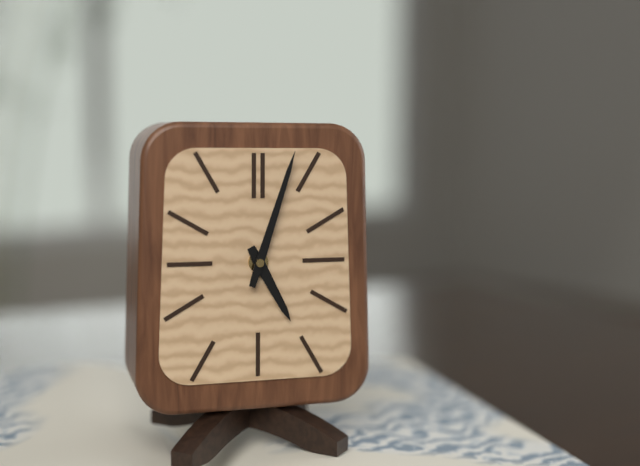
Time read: **5:03**
